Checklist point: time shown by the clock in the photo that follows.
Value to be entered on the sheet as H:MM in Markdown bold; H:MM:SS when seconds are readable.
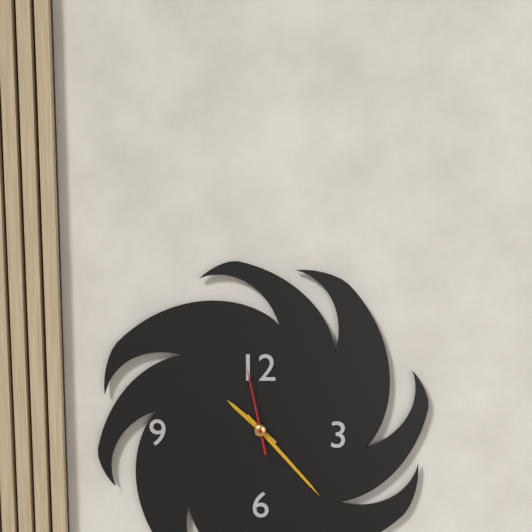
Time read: **10:23:58**
